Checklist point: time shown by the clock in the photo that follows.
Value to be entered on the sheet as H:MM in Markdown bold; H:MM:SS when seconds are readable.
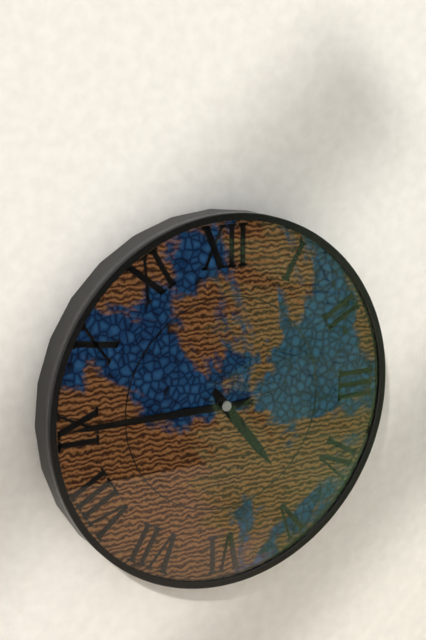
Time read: **4:45**
